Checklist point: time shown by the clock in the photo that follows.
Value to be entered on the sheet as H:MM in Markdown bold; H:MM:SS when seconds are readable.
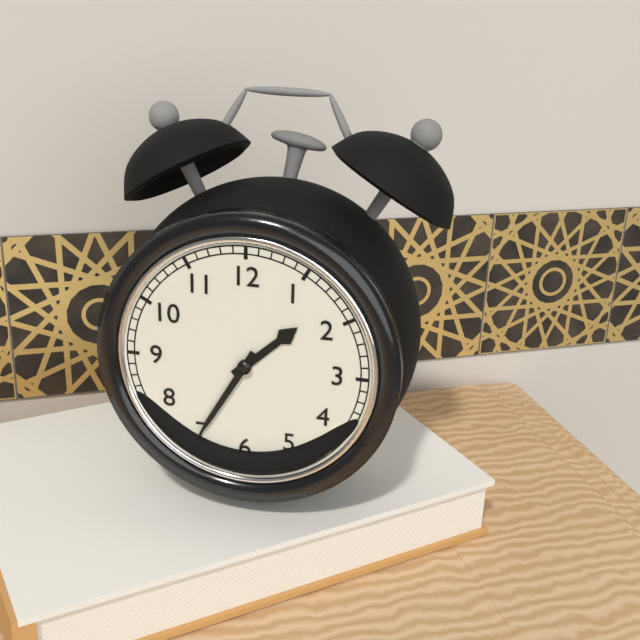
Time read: **1:35**
